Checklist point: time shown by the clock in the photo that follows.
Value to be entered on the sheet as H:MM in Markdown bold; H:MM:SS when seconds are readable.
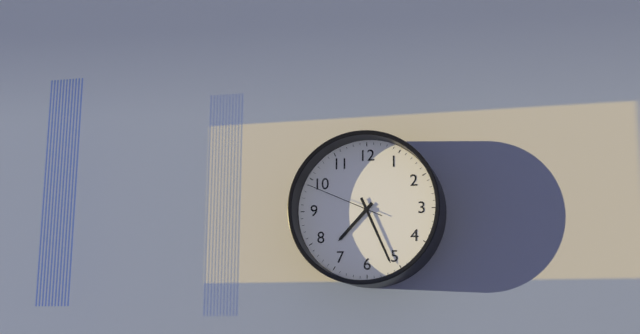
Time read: **7:26:49**
